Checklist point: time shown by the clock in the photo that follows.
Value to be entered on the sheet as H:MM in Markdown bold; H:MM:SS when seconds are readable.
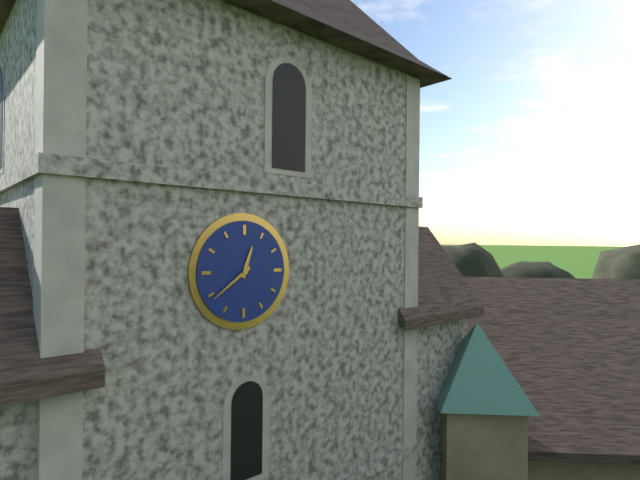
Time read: **12:39**
